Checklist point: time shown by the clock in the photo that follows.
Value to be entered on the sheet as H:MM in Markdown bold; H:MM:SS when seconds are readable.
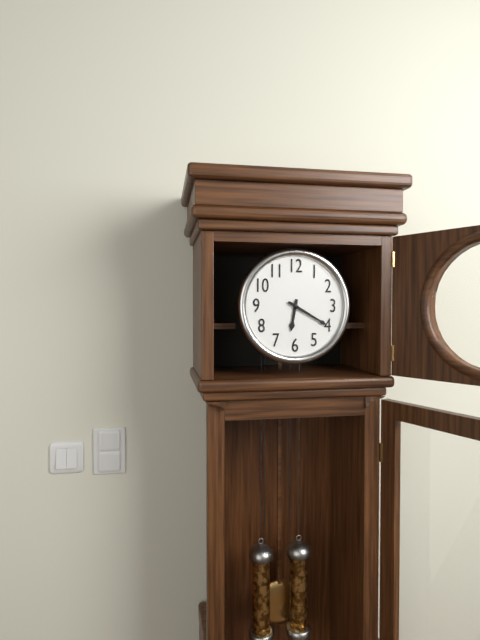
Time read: **6:20**
